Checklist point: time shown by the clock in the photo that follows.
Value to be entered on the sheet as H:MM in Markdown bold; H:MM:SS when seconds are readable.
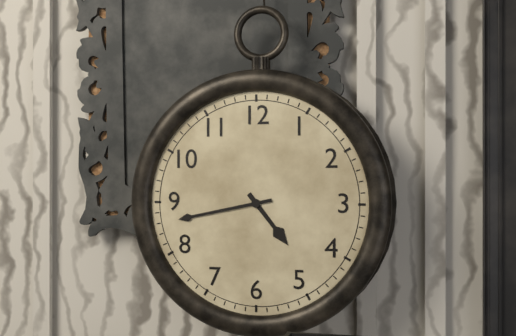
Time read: **4:43**
